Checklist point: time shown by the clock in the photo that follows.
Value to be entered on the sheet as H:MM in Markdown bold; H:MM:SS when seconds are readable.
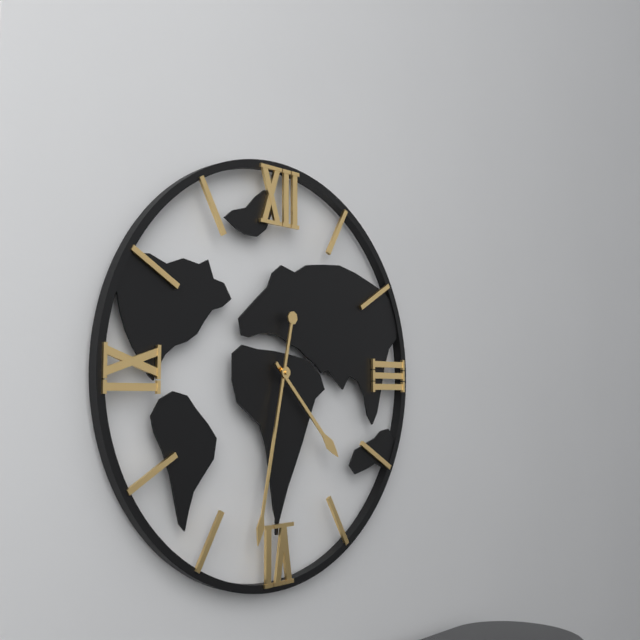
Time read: **4:32**
